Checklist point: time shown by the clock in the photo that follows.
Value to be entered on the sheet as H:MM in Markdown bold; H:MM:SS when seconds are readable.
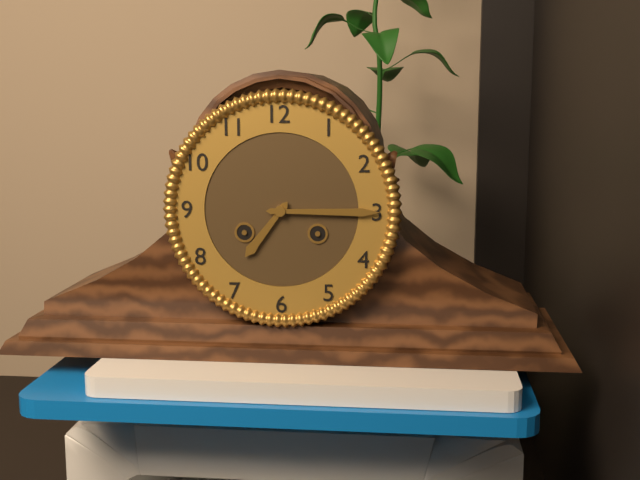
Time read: **7:15**
